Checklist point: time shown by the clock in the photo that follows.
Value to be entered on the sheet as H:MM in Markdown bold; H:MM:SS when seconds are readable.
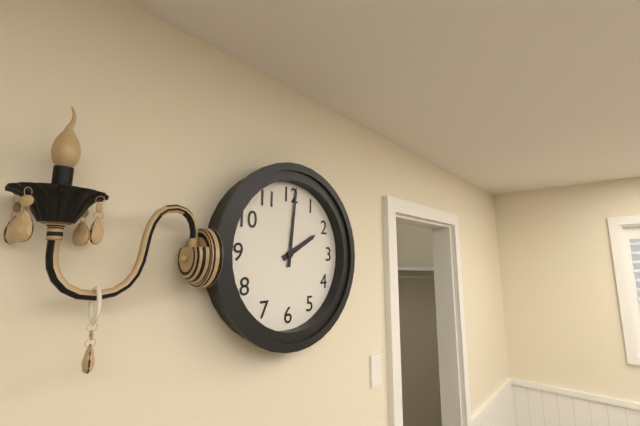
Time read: **2:01**
